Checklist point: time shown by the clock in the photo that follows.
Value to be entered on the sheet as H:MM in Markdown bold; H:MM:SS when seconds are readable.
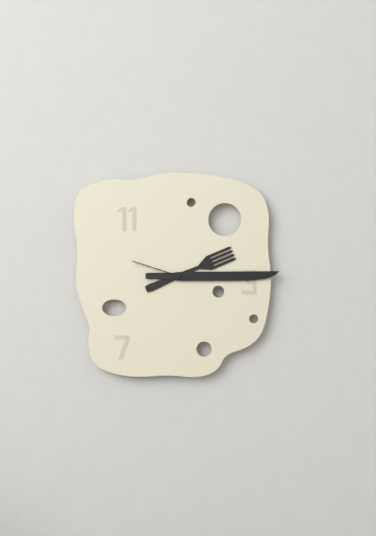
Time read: **2:15:48**
